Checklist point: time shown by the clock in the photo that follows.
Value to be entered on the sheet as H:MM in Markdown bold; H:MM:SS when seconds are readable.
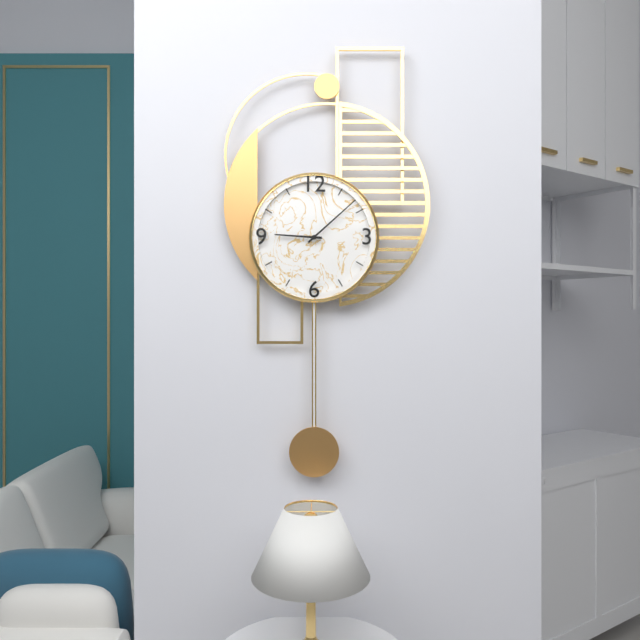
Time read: **9:08**
